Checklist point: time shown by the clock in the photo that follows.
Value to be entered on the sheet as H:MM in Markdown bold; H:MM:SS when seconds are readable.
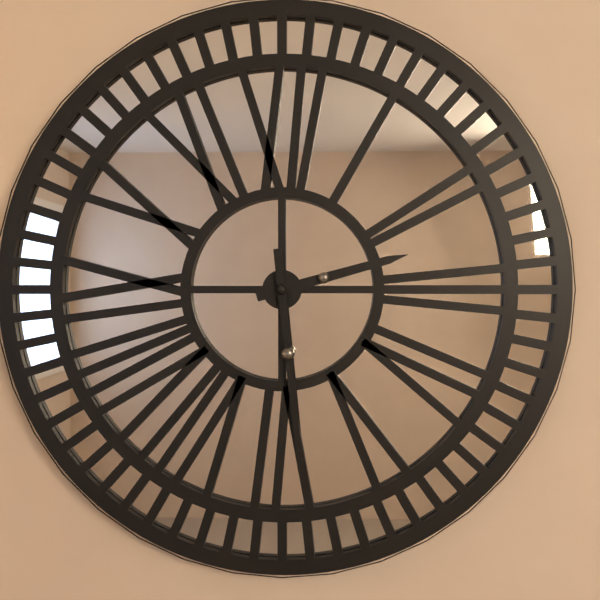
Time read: **2:29**
